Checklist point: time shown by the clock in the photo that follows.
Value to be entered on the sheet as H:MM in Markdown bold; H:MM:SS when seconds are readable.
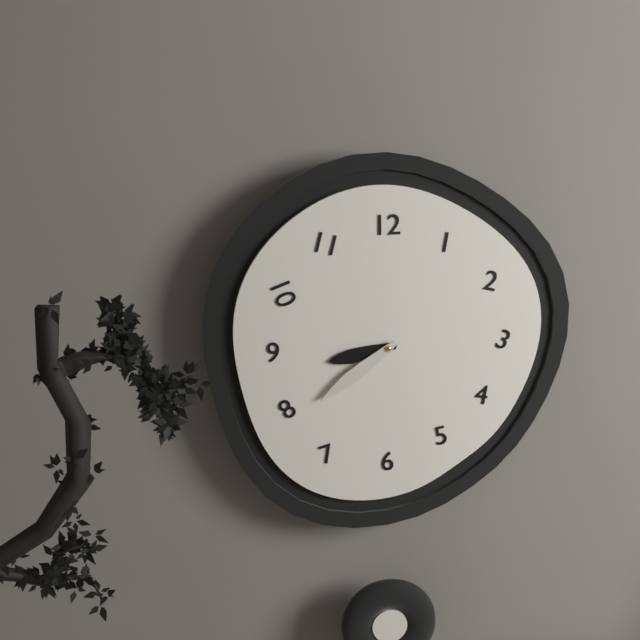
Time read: **8:39**
